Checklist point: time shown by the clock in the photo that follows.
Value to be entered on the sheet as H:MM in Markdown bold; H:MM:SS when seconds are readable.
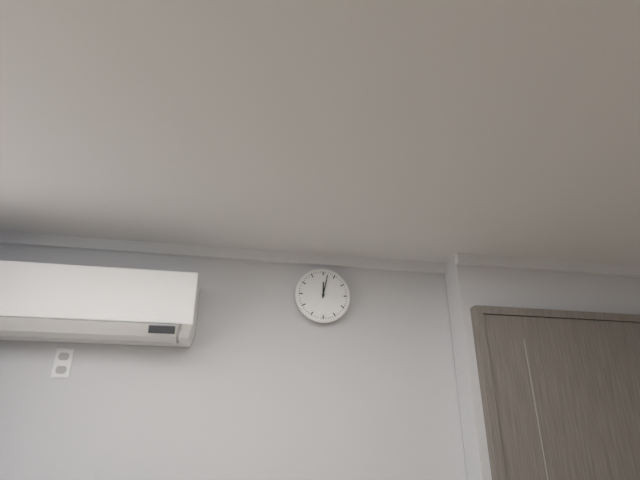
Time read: **12:02**
